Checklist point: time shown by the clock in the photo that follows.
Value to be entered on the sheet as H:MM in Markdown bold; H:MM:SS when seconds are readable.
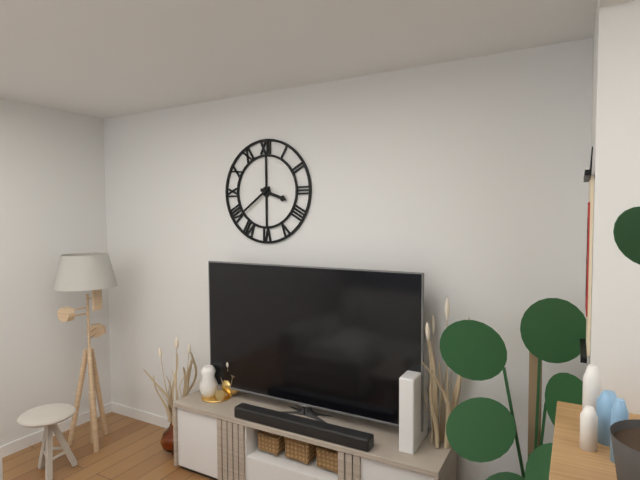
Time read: **3:39**
